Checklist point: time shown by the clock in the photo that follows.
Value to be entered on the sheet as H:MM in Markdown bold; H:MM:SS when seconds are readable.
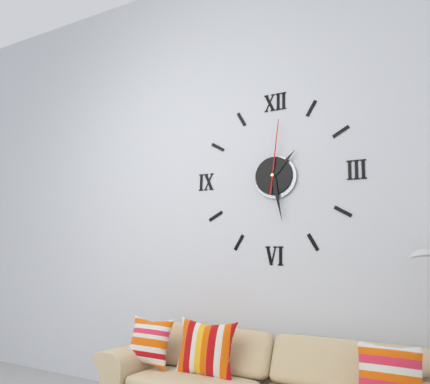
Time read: **1:28:01**
